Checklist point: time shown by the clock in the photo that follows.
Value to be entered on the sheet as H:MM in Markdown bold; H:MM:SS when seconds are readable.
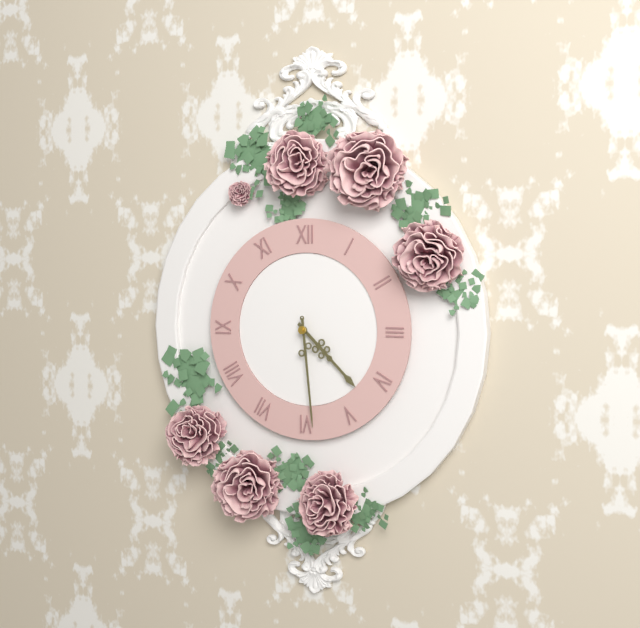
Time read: **4:29**
